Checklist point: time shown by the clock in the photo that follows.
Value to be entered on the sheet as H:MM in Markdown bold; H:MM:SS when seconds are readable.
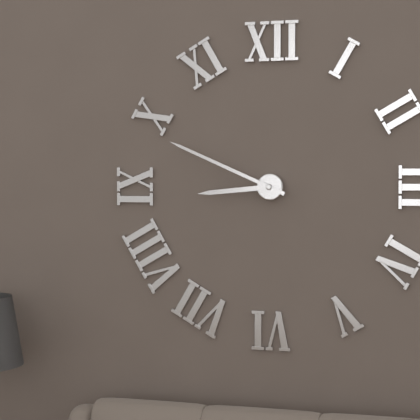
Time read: **8:49**
